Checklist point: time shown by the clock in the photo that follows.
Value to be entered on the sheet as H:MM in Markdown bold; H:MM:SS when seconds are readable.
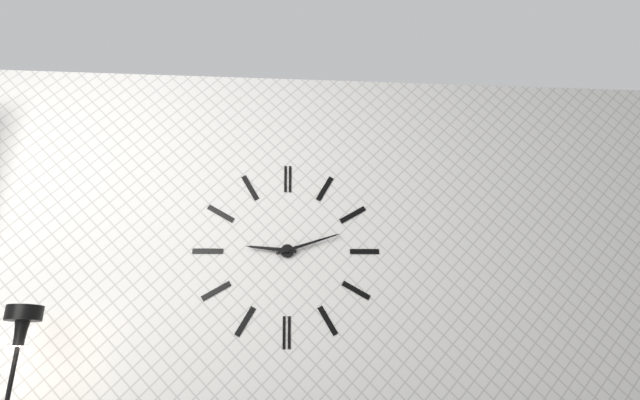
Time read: **9:12**
